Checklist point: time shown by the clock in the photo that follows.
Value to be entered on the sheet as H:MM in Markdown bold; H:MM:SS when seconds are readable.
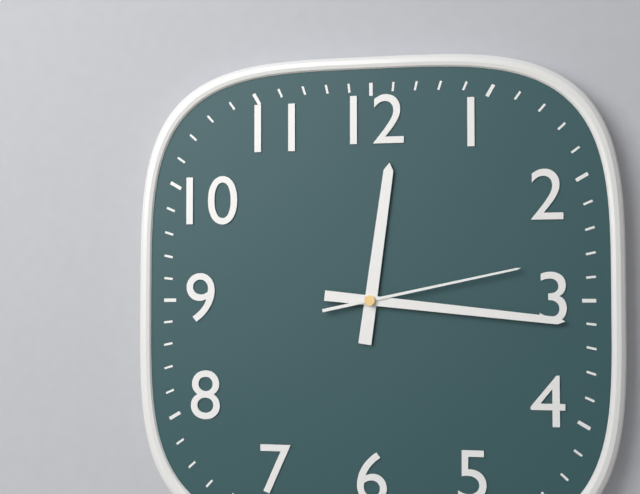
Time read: **12:16:13**
